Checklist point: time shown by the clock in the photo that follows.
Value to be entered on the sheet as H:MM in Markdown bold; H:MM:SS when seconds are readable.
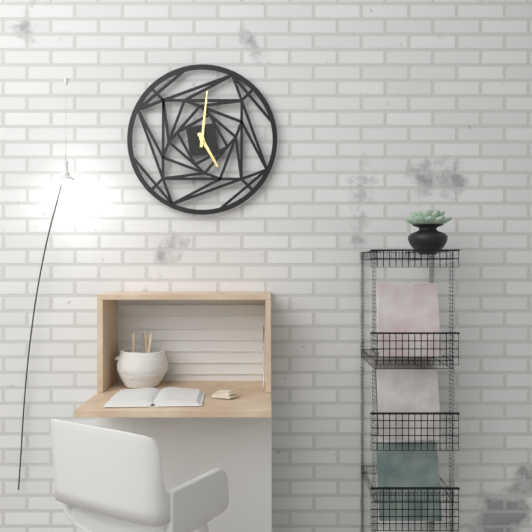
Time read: **5:01**
